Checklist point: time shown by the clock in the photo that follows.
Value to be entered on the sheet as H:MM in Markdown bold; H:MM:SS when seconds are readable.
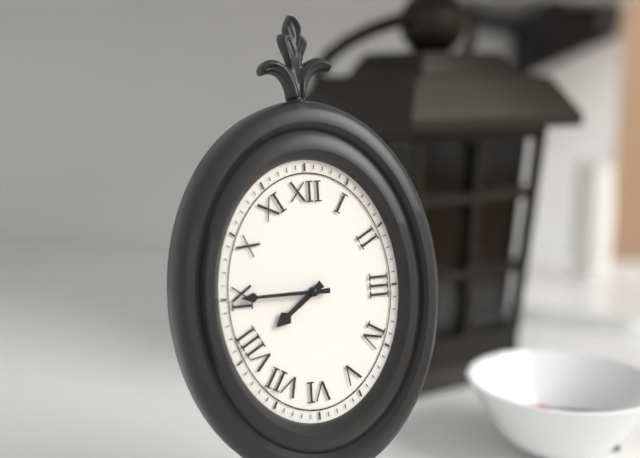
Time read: **7:45**
